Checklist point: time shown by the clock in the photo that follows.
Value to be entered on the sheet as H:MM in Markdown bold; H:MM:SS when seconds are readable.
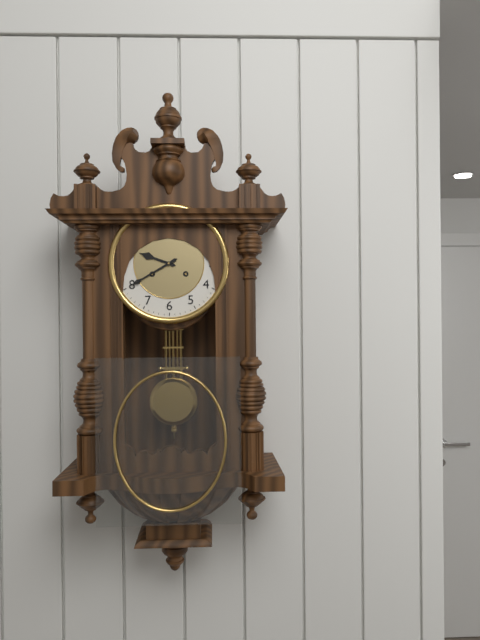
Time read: **9:40**
